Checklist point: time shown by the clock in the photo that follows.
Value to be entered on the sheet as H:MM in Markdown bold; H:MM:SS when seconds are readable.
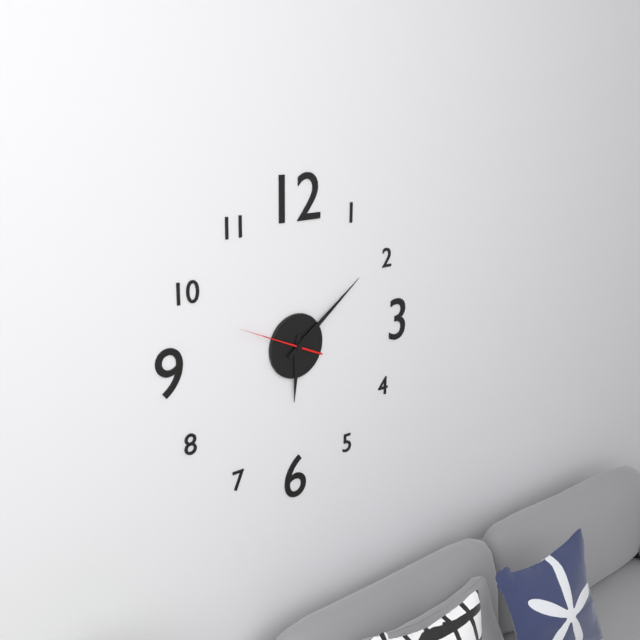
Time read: **6:09:49**
